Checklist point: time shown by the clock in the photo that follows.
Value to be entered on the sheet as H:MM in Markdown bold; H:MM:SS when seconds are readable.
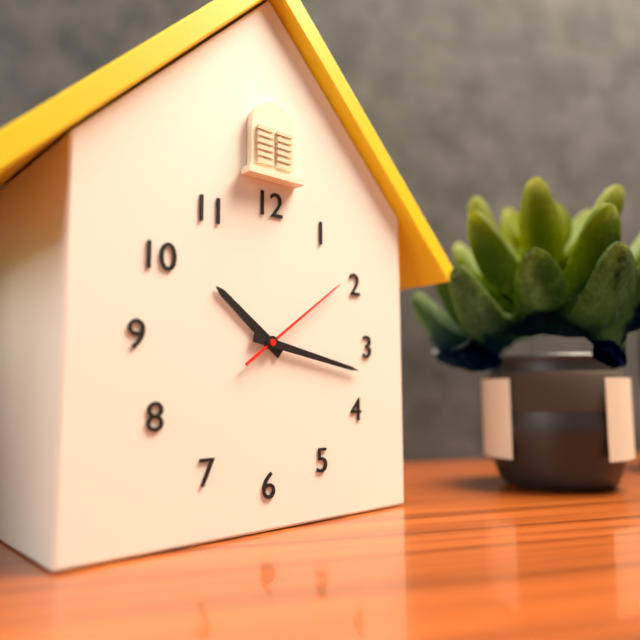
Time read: **10:17:09**
